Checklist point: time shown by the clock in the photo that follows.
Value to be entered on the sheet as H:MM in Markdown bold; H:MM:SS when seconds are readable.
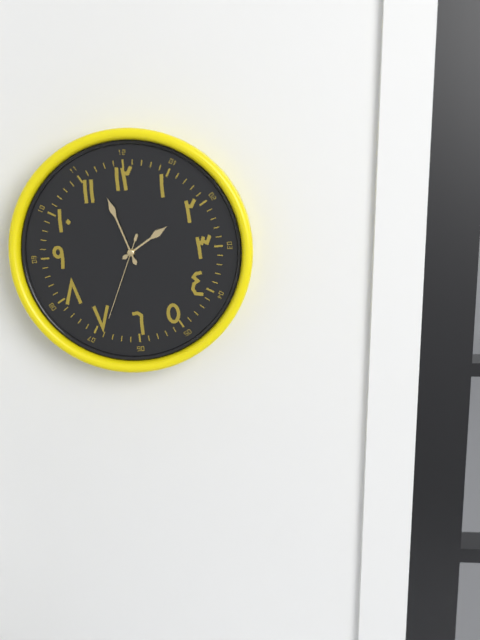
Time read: **1:57:34**
